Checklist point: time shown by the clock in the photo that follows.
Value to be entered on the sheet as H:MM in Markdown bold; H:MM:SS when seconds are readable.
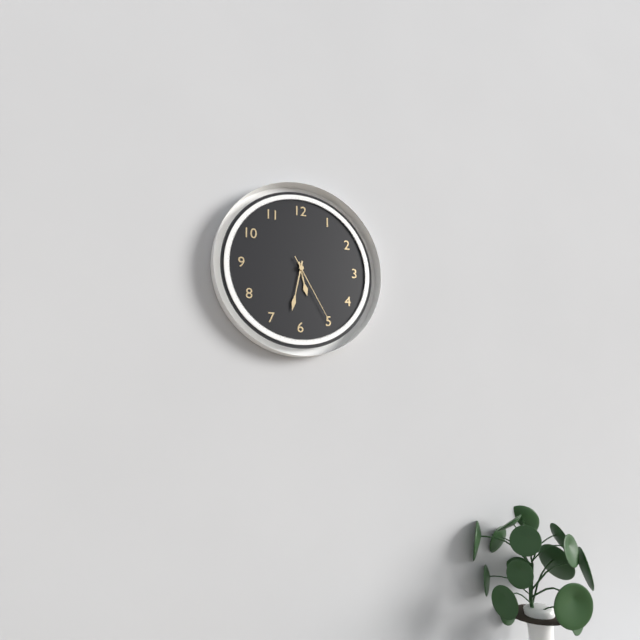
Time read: **5:32:25**
